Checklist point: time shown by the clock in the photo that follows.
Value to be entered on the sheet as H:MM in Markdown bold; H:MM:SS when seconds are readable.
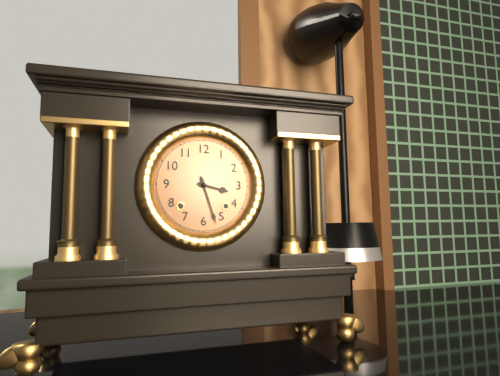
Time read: **3:27**
